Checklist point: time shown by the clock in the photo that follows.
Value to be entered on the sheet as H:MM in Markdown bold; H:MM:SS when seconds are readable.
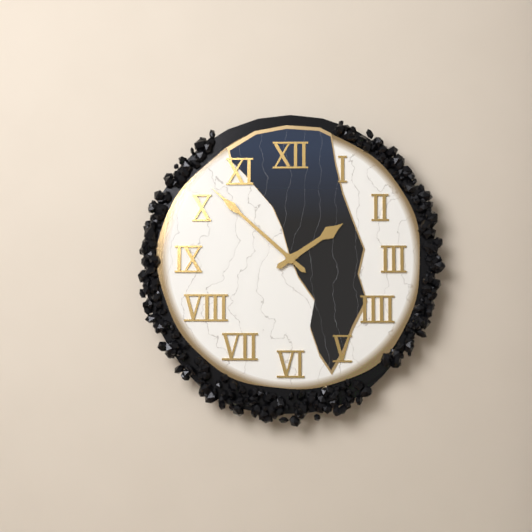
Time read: **1:52**
